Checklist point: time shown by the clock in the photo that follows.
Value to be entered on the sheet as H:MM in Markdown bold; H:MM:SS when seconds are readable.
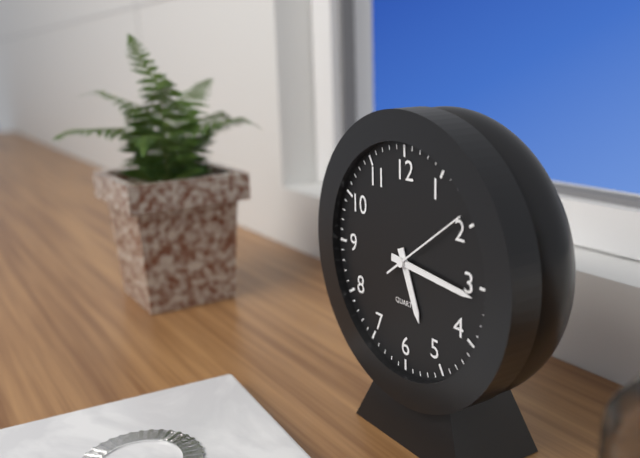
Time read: **5:16:09**
